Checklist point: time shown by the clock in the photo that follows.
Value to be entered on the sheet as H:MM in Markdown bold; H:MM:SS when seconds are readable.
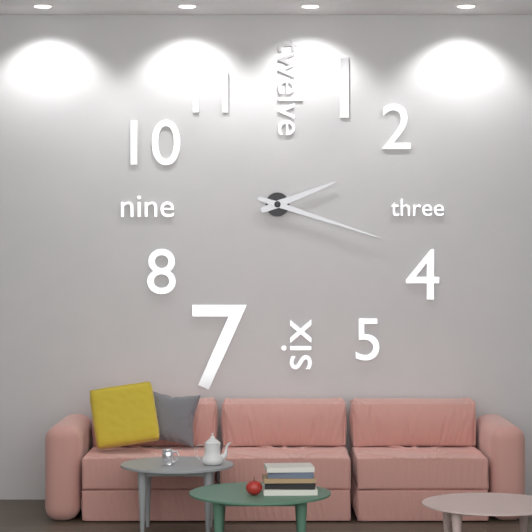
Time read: **2:18**
